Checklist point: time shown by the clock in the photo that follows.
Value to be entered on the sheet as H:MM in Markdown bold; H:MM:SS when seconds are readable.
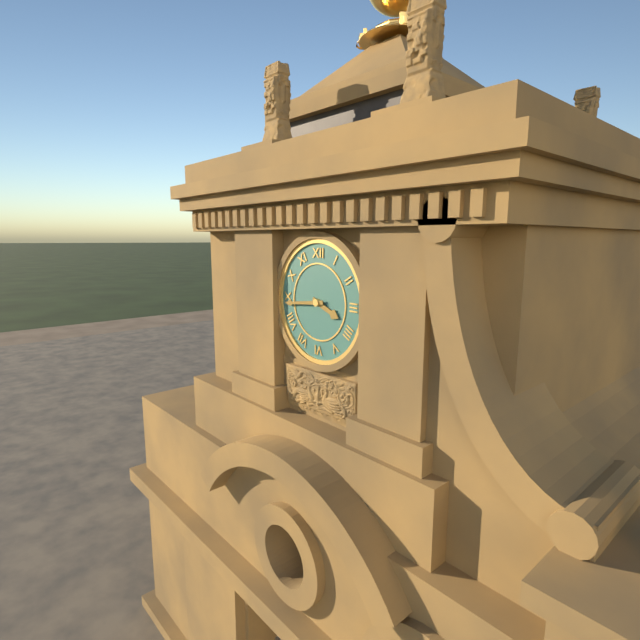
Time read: **3:44**
